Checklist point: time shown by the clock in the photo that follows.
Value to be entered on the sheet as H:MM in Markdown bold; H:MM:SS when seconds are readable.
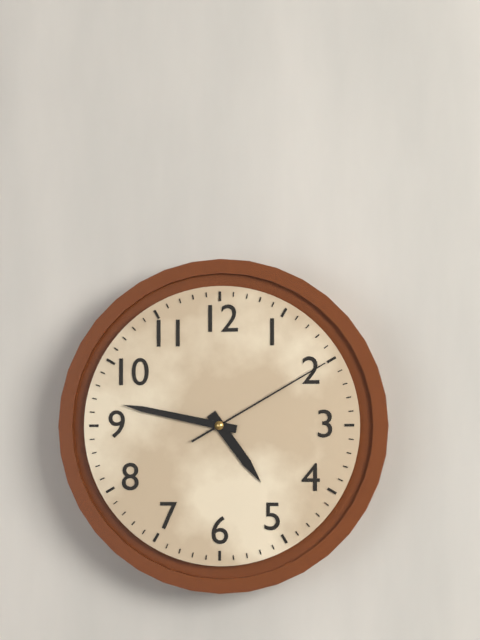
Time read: **4:47:10**
